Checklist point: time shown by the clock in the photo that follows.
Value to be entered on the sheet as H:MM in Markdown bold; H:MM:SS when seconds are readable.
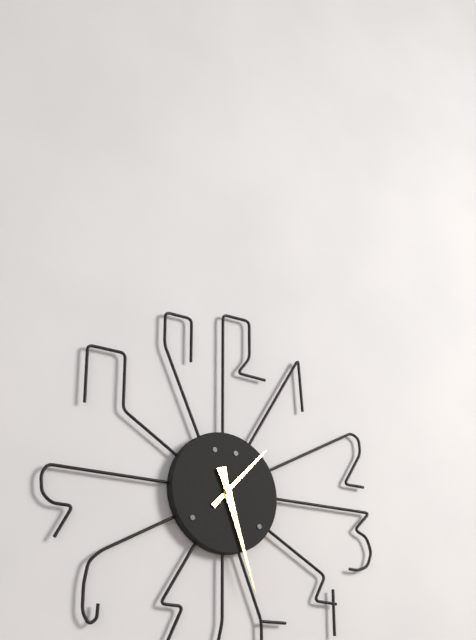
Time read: **1:27**
